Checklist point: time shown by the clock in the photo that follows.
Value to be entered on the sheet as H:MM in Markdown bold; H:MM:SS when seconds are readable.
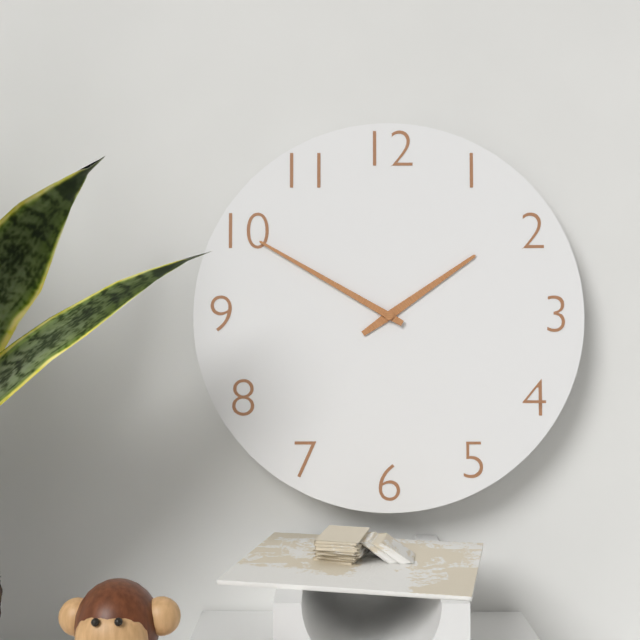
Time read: **1:50**
